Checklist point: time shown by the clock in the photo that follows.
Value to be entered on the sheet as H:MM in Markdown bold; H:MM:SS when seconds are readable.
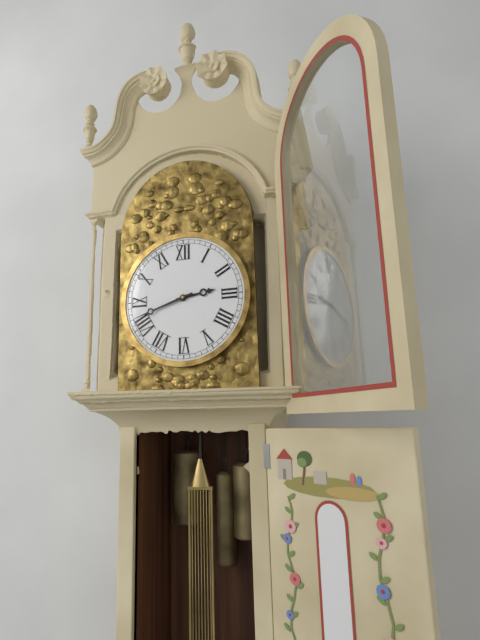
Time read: **2:42**
